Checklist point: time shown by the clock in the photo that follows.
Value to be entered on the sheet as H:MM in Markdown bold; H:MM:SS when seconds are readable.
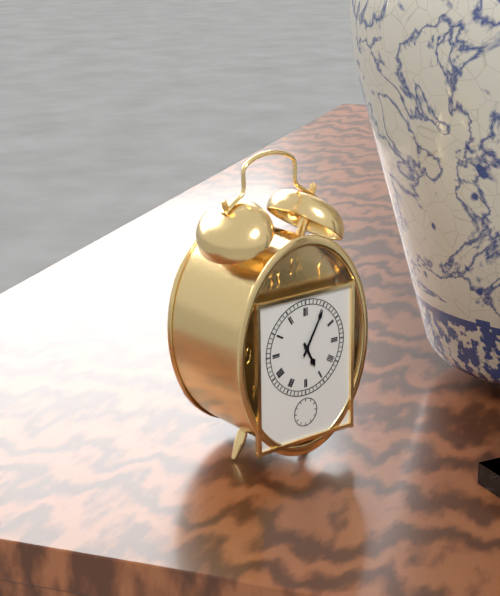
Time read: **5:05**
